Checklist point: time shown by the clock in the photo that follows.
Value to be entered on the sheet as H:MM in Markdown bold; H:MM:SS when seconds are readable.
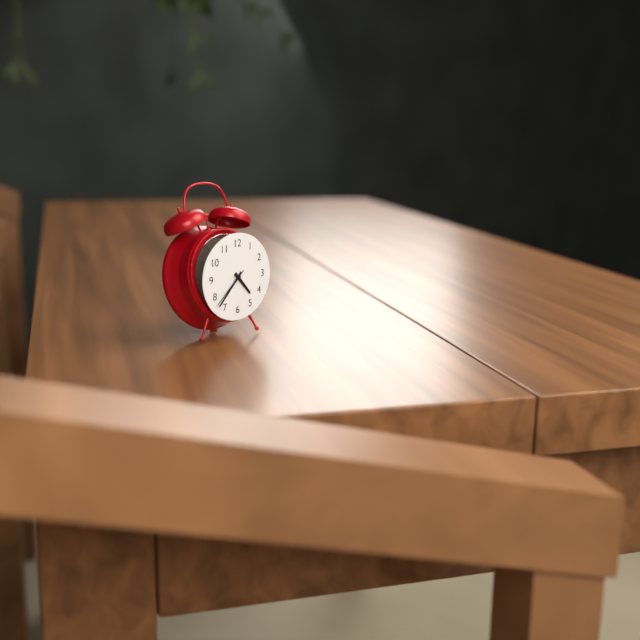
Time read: **4:37**
